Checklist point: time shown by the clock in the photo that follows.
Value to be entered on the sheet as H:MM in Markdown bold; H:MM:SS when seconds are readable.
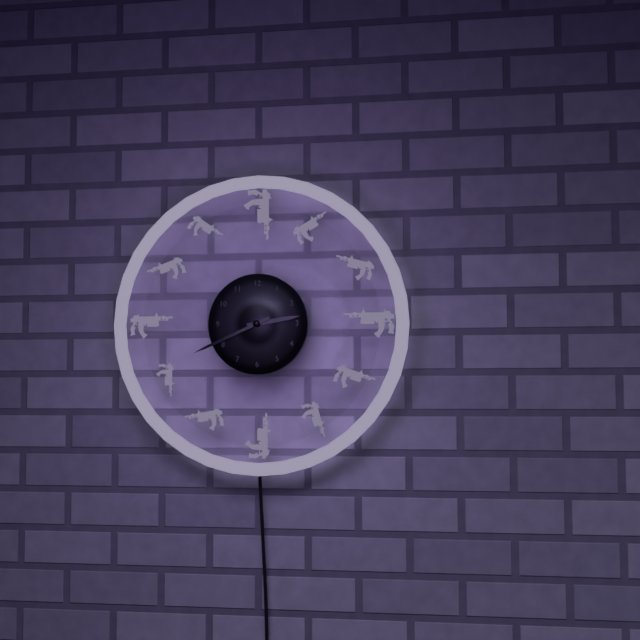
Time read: **2:41**
